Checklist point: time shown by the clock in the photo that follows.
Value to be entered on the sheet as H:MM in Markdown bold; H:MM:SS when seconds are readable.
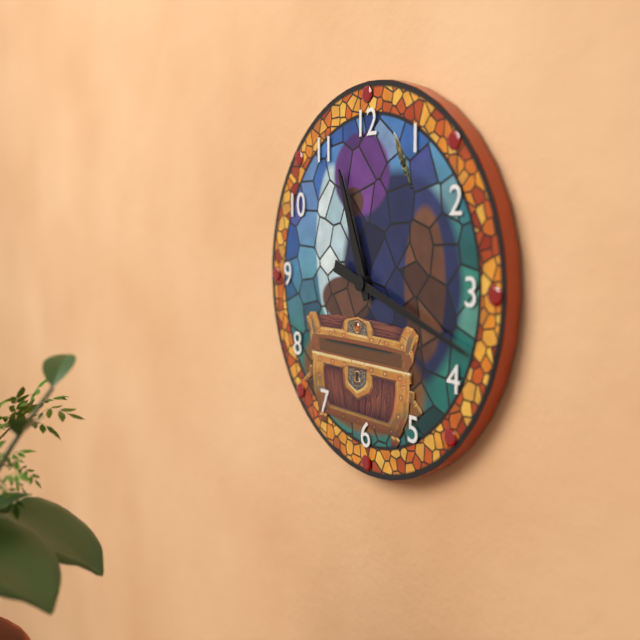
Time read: **11:18**
